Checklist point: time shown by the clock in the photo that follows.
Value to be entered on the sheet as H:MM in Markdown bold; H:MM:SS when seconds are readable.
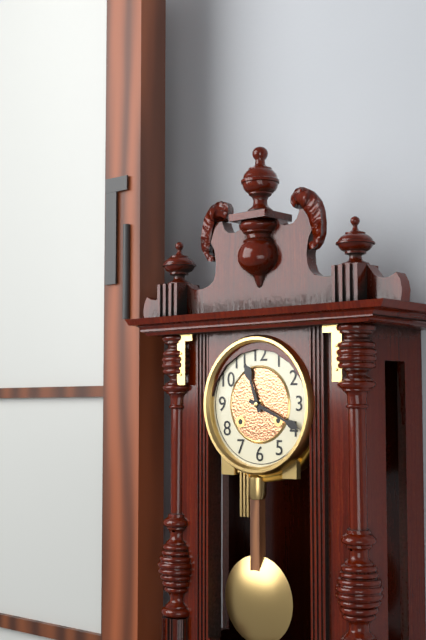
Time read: **11:19**
